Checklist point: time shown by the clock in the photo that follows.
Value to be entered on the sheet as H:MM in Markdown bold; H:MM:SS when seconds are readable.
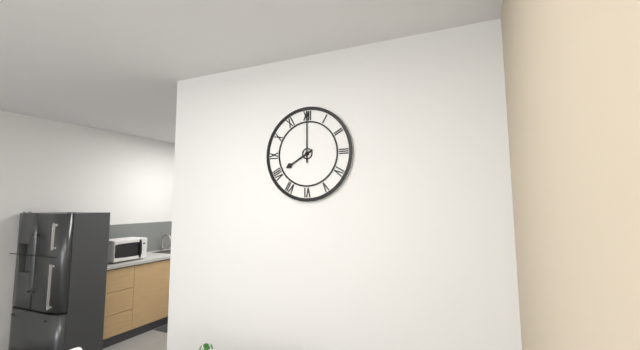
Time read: **8:00**
